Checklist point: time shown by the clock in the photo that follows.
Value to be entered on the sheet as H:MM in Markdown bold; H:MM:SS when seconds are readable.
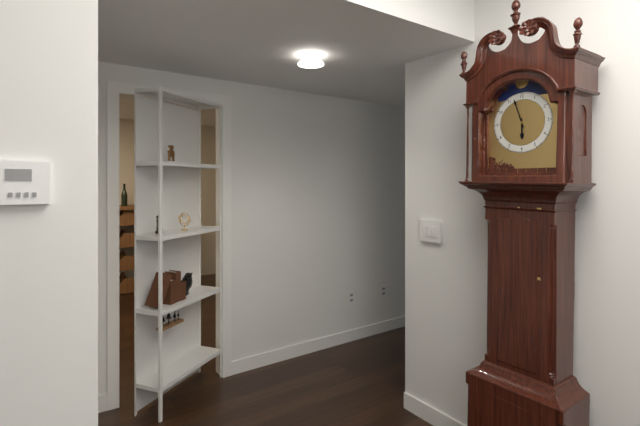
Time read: **5:57**
